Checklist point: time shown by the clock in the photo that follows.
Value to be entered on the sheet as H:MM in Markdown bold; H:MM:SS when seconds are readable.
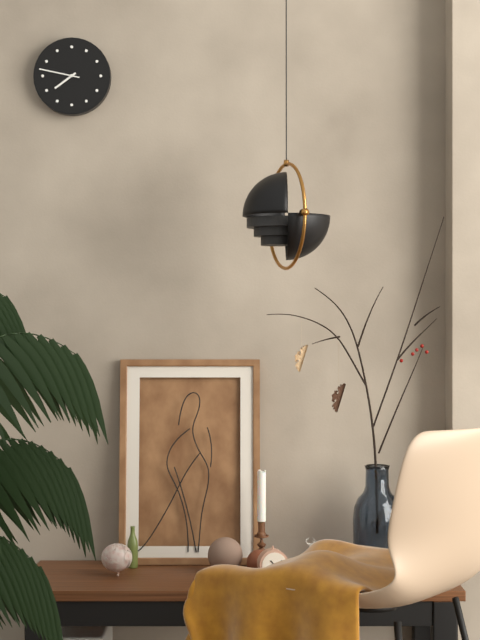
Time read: **7:47**
